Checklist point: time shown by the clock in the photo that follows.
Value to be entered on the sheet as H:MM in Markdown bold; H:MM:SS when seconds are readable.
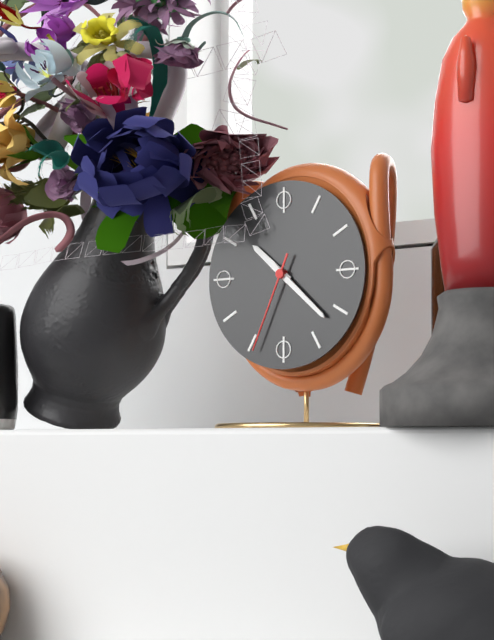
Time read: **10:22:34**
